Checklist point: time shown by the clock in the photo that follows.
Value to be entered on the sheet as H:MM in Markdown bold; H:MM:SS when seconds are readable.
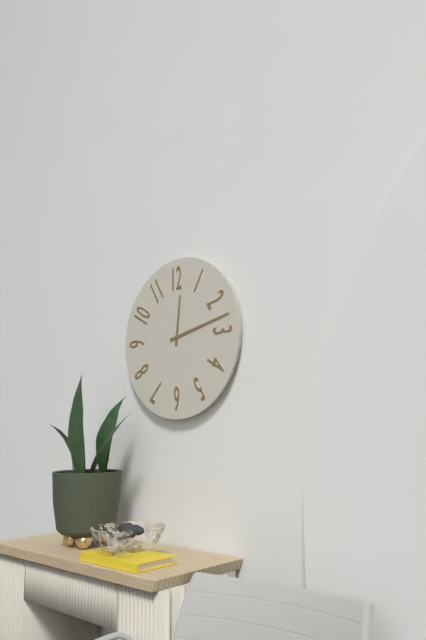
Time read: **12:13**
